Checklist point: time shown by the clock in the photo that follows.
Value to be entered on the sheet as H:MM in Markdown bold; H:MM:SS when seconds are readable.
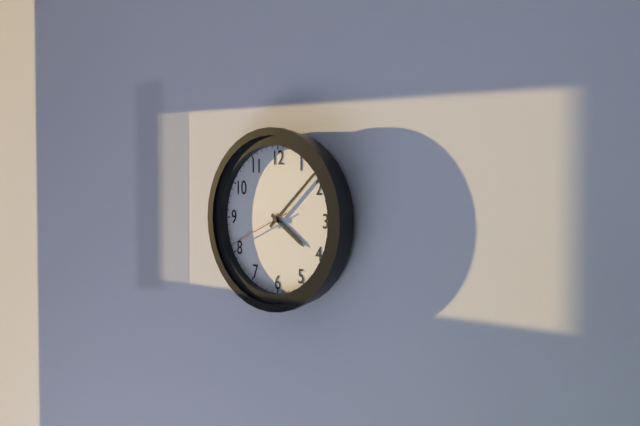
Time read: **4:08:41**
